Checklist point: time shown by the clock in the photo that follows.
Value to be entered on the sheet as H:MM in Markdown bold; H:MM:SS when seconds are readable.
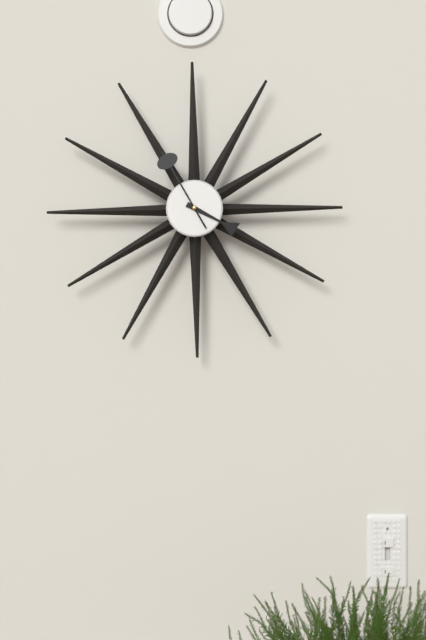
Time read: **3:55**
